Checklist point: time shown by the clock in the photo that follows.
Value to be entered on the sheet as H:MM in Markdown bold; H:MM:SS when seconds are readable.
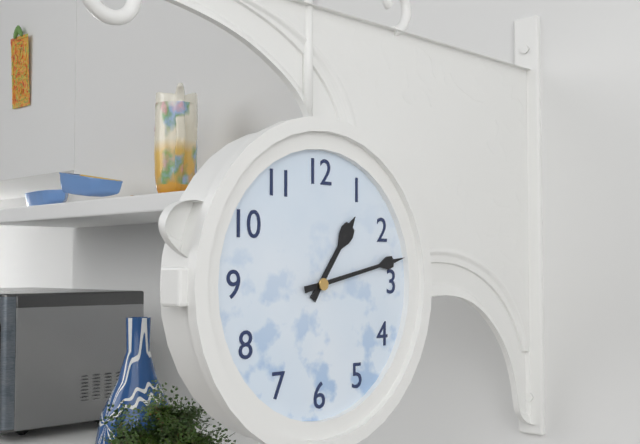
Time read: **1:13**
